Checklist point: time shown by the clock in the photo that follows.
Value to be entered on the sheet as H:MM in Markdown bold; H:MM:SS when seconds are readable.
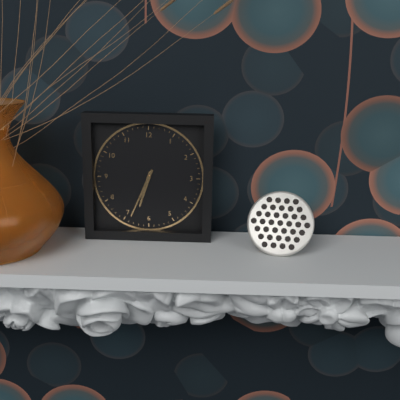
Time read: **6:34**
